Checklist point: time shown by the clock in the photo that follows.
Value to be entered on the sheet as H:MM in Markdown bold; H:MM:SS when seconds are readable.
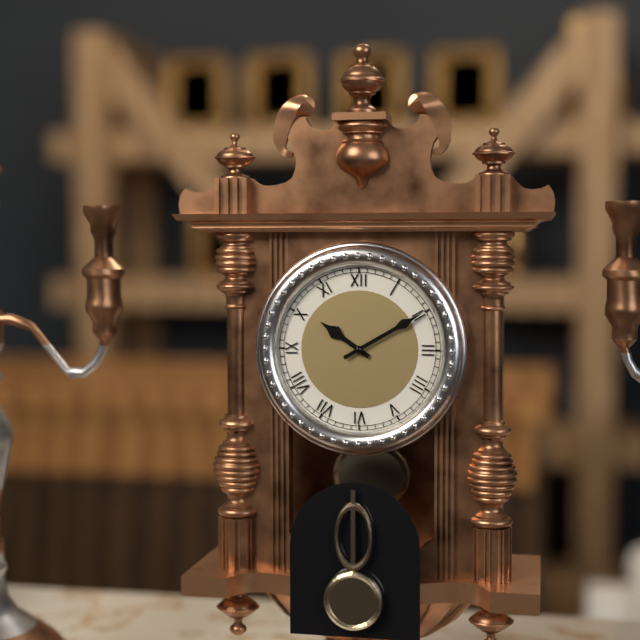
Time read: **10:10**
